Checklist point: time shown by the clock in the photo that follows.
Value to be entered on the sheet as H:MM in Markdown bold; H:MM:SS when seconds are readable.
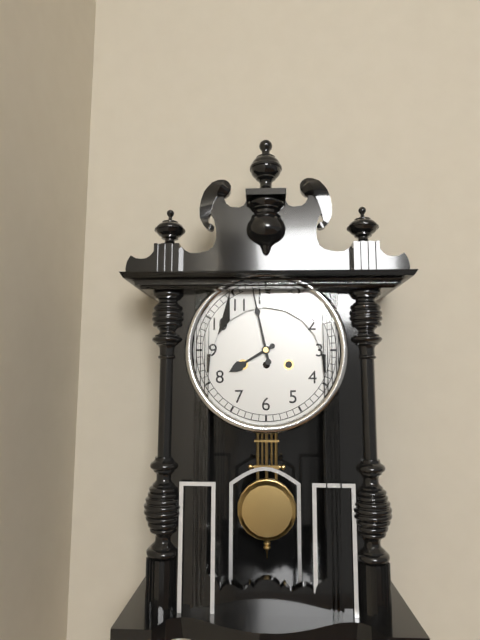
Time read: **7:58**
